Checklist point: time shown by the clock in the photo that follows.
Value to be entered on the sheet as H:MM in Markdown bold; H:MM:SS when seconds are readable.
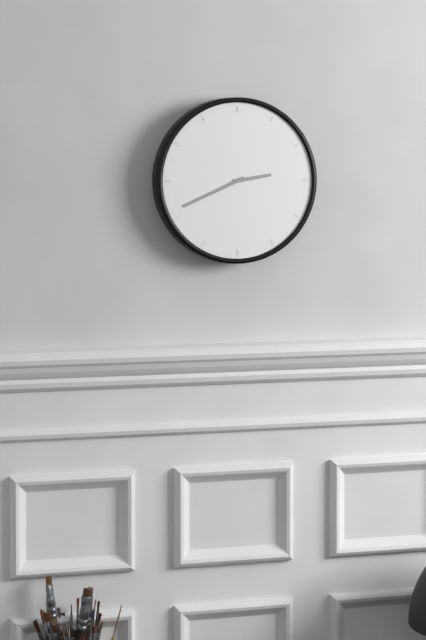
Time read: **2:41**
